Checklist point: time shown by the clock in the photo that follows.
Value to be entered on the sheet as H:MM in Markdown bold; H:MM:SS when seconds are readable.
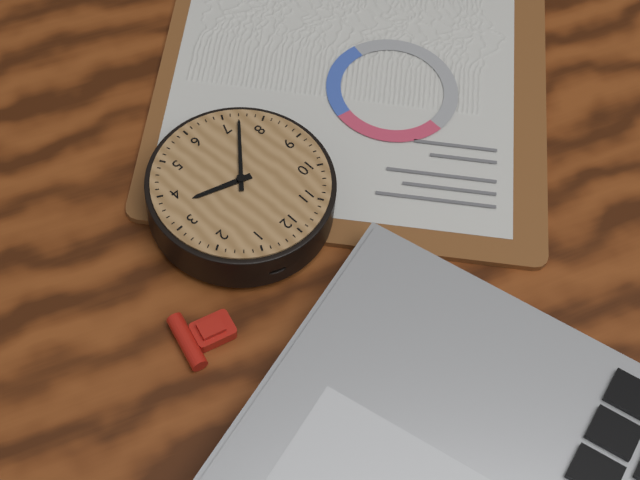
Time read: **3:37**
